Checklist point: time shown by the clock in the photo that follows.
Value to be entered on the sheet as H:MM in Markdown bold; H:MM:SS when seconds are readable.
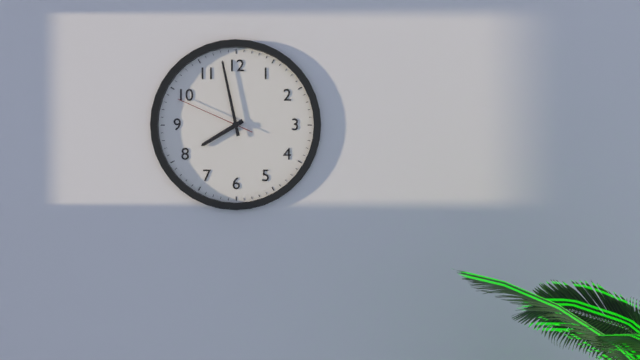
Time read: **7:58:49**
